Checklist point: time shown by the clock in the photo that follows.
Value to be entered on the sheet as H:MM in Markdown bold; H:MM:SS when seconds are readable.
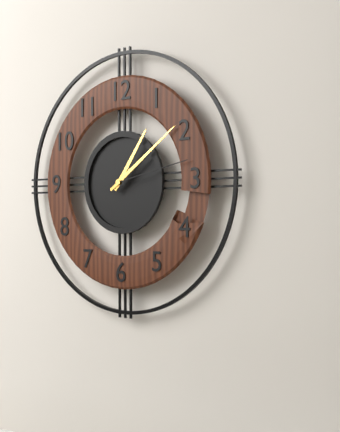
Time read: **1:09:13**
